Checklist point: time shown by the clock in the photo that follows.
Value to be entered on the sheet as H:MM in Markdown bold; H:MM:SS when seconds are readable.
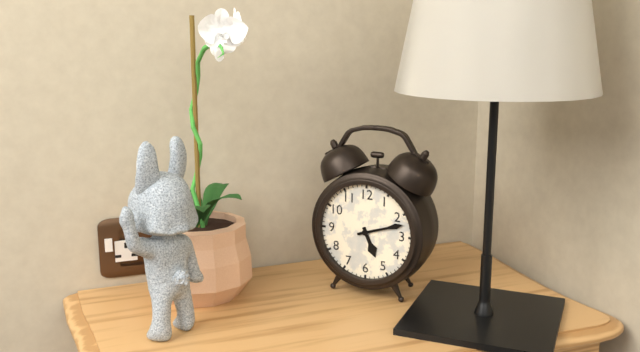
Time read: **5:12**
